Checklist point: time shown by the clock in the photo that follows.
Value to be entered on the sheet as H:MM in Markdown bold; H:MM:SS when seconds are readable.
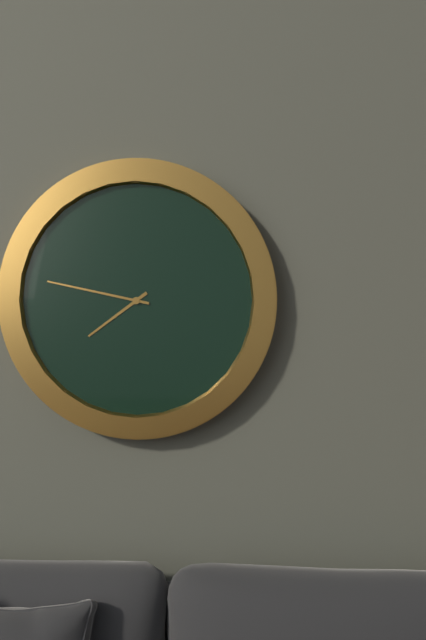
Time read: **7:47**
